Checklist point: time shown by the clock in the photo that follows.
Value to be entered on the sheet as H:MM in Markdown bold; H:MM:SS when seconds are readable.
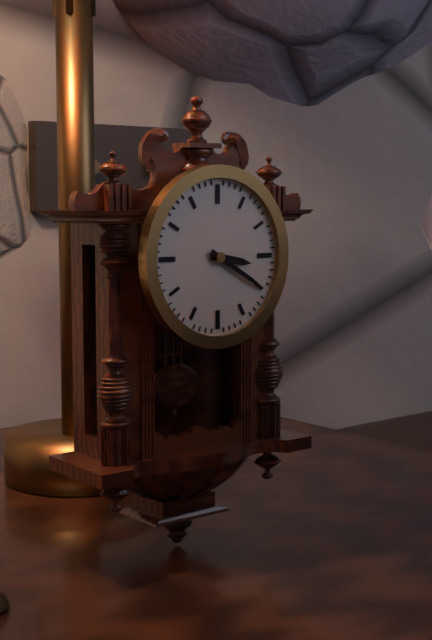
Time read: **3:20**
